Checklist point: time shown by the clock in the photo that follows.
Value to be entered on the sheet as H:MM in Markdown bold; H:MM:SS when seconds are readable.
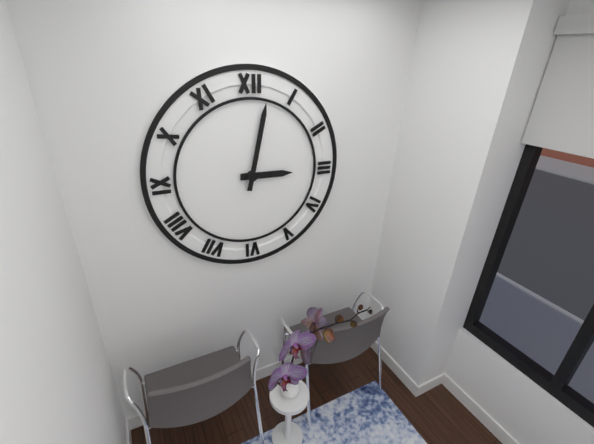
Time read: **3:02**
